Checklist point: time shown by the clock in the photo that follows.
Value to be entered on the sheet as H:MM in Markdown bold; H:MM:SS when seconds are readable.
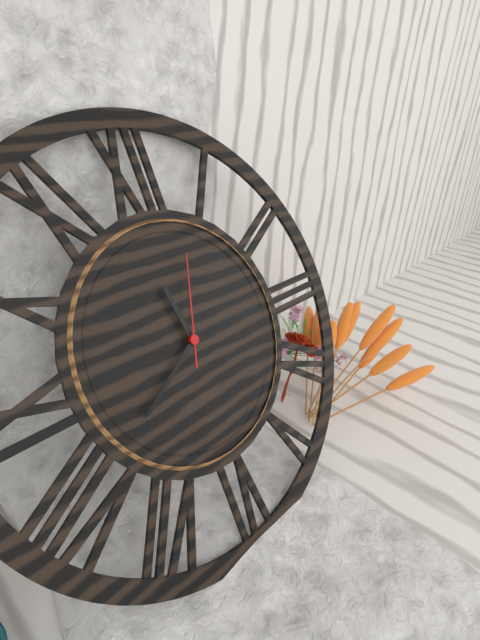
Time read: **11:40:03**
